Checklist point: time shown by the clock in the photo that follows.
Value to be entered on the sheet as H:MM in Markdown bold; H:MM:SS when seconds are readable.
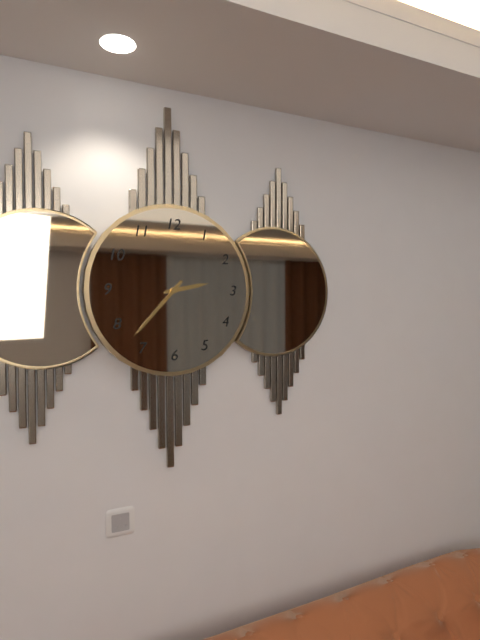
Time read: **2:37**
